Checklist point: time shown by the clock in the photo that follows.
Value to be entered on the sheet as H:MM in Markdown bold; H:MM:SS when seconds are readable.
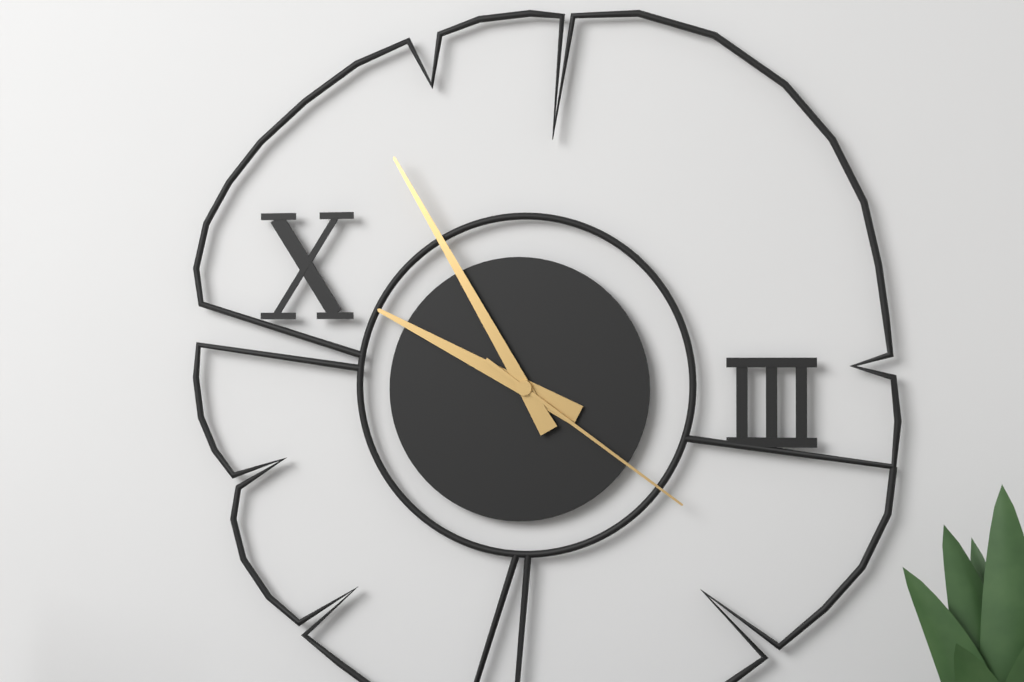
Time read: **9:55:21**
